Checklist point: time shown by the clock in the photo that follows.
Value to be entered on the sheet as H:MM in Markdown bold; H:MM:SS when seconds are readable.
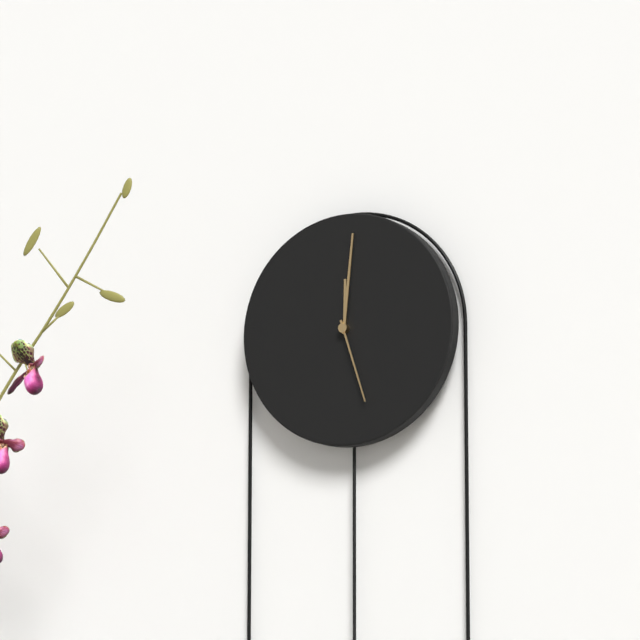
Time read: **12:01:27**
